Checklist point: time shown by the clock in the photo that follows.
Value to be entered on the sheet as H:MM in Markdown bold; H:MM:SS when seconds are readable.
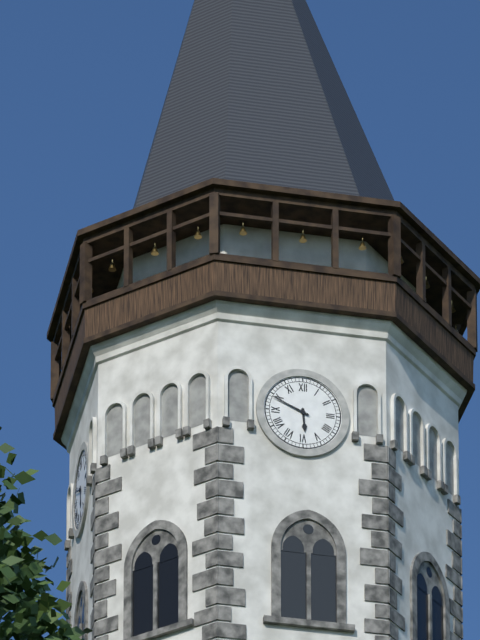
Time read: **5:49**
